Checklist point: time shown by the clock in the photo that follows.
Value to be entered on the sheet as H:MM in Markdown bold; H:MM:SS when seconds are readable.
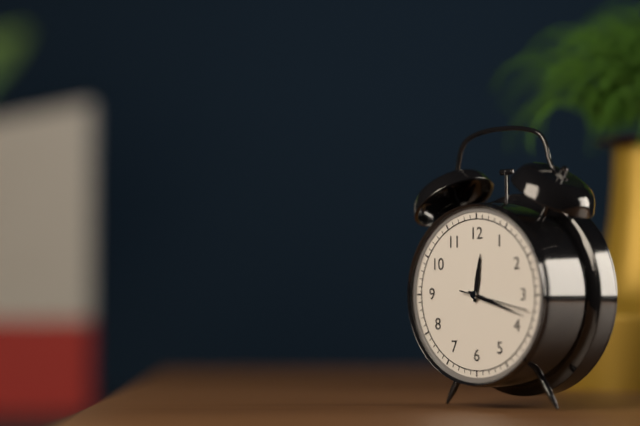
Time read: **12:18:17**
